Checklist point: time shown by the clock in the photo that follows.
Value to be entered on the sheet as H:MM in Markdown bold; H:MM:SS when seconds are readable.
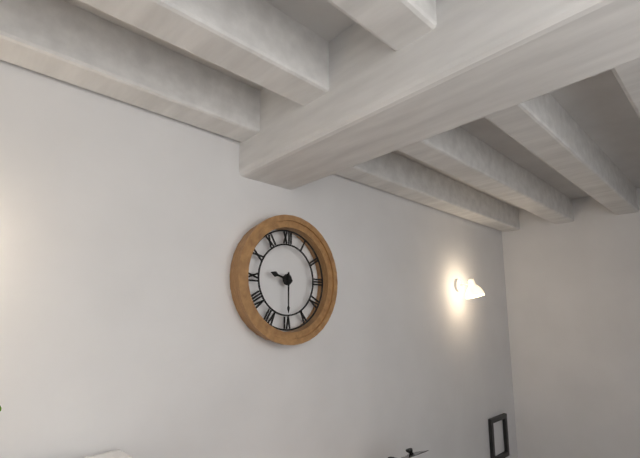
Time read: **9:30**
